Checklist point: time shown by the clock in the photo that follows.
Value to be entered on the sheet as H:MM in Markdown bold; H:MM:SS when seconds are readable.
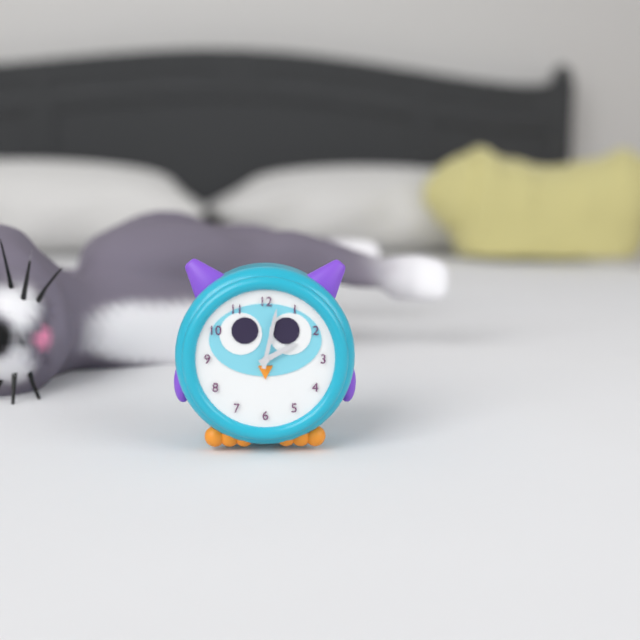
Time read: **2:02**
